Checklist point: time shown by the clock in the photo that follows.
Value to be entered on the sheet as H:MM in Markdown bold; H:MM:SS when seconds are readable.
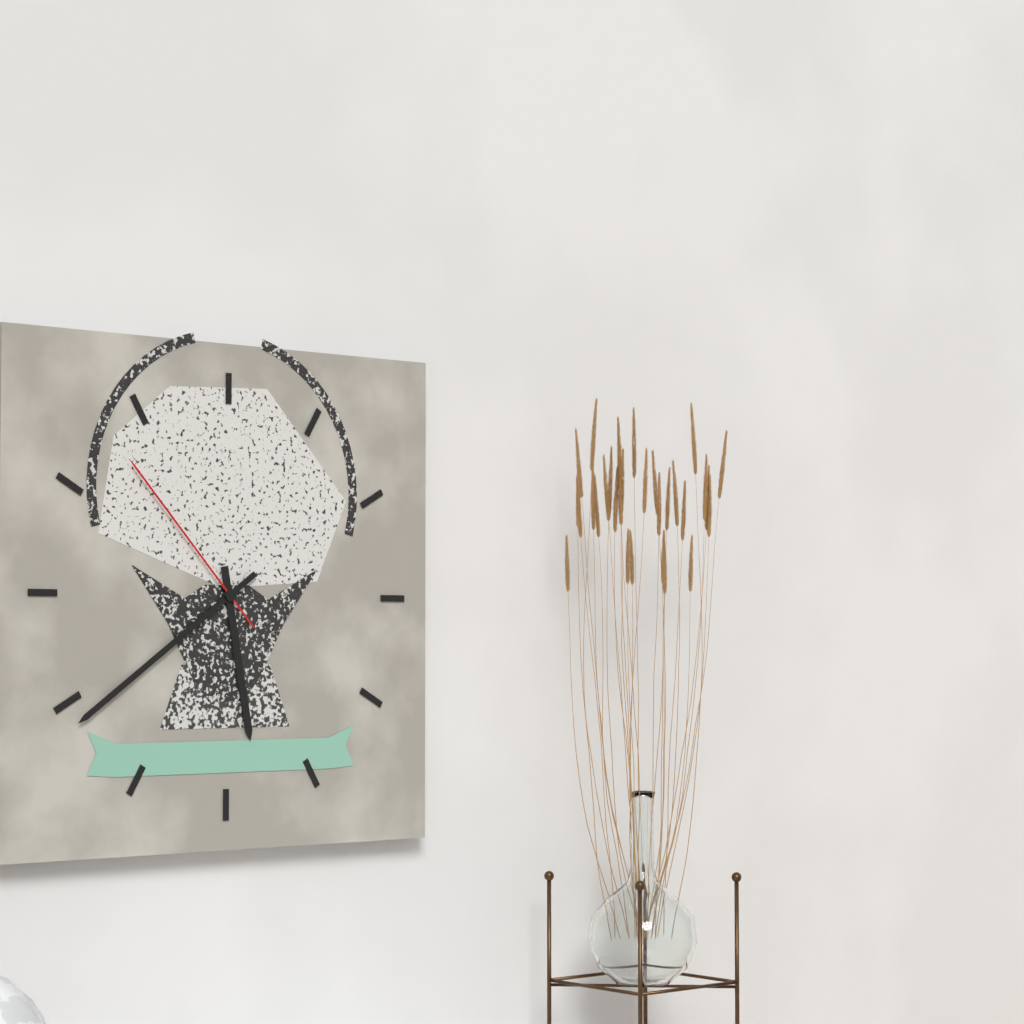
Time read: **5:39:53**
